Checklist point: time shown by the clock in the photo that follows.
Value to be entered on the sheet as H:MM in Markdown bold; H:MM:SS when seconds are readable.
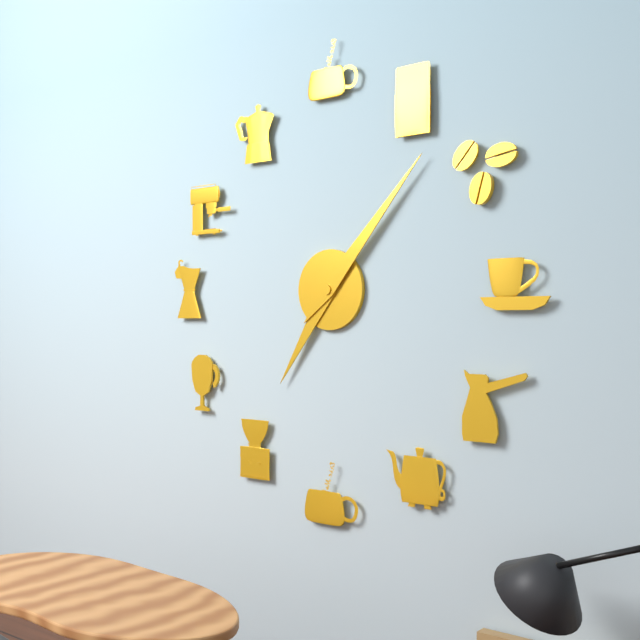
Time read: **7:07**
